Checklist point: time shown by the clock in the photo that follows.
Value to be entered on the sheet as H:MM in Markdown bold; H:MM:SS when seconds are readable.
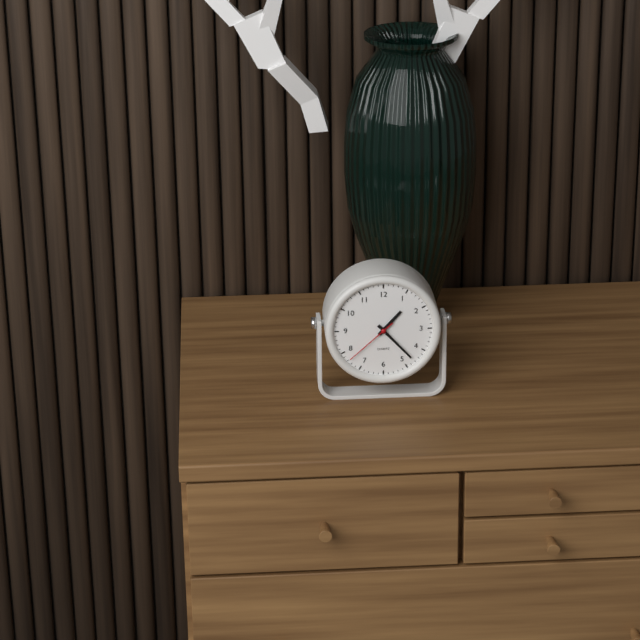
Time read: **1:23:38**
